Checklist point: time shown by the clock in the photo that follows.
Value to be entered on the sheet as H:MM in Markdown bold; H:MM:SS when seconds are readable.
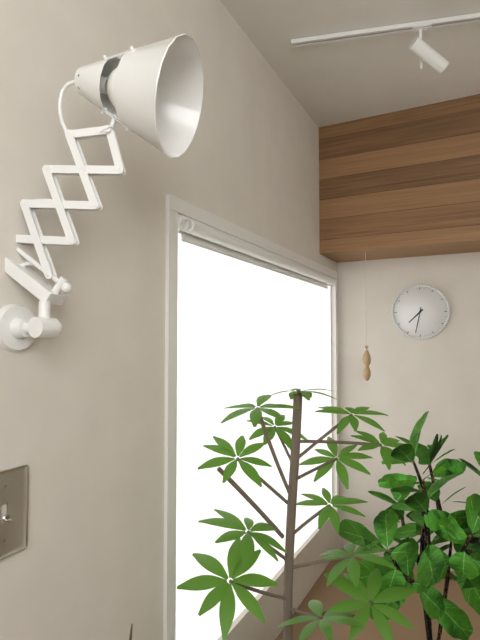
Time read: **7:32**
